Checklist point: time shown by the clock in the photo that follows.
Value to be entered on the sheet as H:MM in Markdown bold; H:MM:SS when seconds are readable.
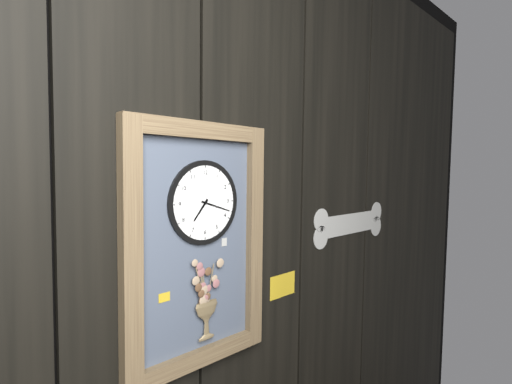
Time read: **7:18**
